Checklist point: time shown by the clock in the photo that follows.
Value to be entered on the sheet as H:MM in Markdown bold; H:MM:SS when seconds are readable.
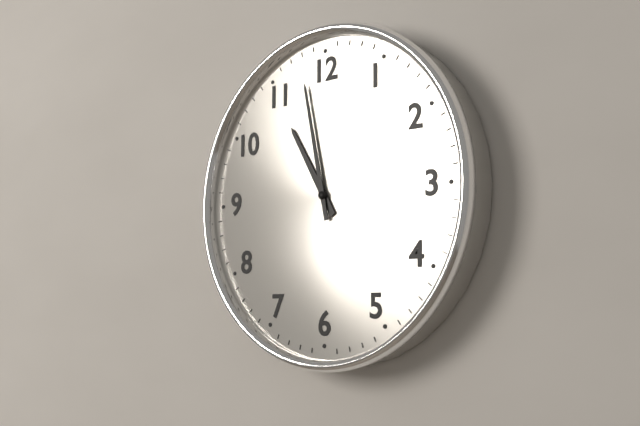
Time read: **10:58**
